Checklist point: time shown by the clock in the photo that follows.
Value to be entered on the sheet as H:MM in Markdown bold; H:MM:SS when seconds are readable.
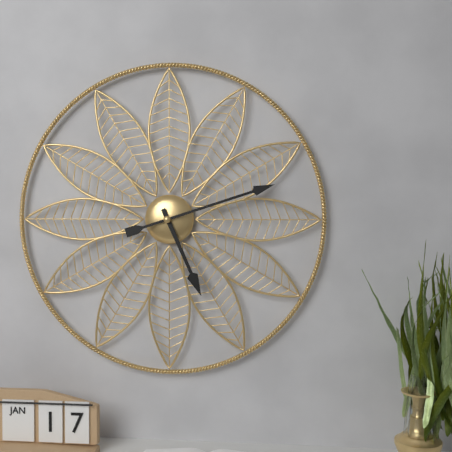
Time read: **5:12**
